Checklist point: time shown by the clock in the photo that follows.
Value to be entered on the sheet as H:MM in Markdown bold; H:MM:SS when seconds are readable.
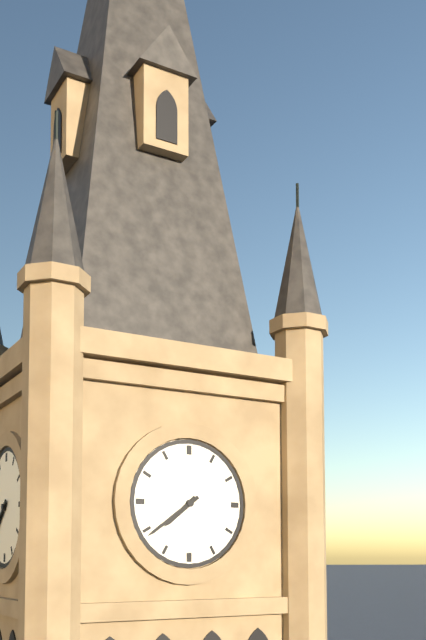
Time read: **7:39**
